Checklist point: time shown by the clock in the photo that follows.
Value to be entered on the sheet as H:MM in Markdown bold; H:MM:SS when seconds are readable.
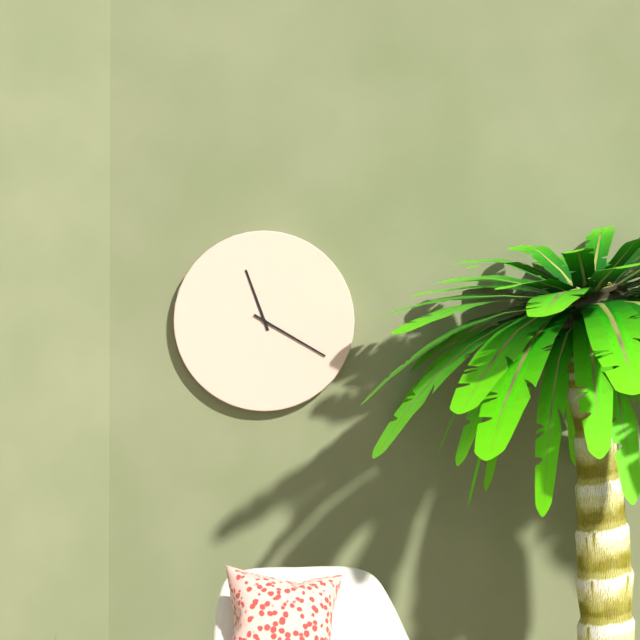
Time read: **11:20**
